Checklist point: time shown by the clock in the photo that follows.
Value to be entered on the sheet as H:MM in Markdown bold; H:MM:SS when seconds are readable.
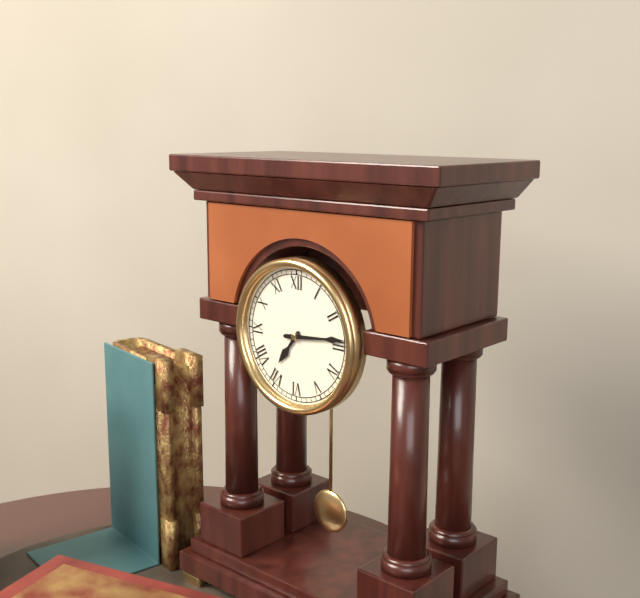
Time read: **7:14**
